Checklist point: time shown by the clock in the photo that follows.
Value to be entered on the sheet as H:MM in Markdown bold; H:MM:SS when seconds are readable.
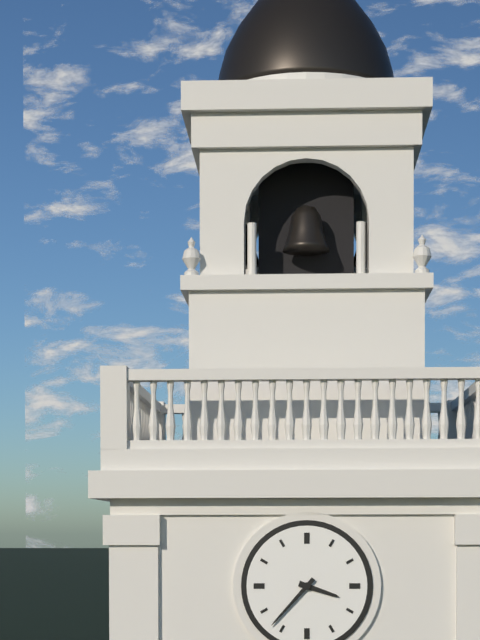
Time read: **3:37**
